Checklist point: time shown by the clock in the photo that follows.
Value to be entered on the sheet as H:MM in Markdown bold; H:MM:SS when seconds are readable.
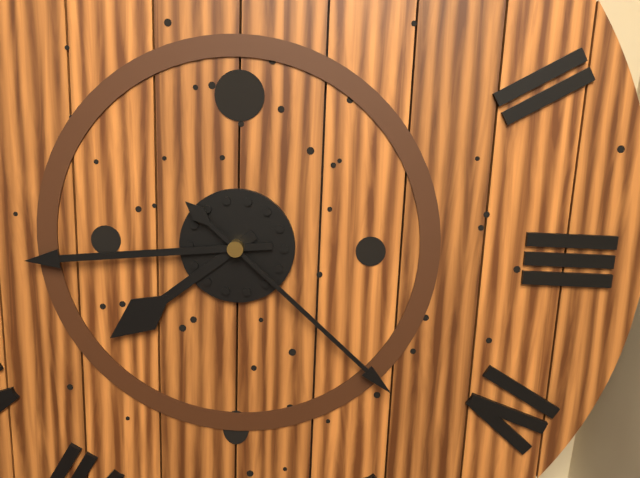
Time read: **7:44:22**
